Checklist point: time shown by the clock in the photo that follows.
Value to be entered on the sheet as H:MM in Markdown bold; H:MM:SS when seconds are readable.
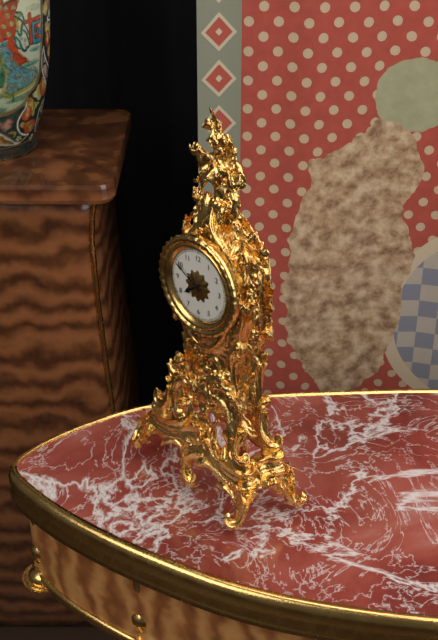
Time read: **7:50**
